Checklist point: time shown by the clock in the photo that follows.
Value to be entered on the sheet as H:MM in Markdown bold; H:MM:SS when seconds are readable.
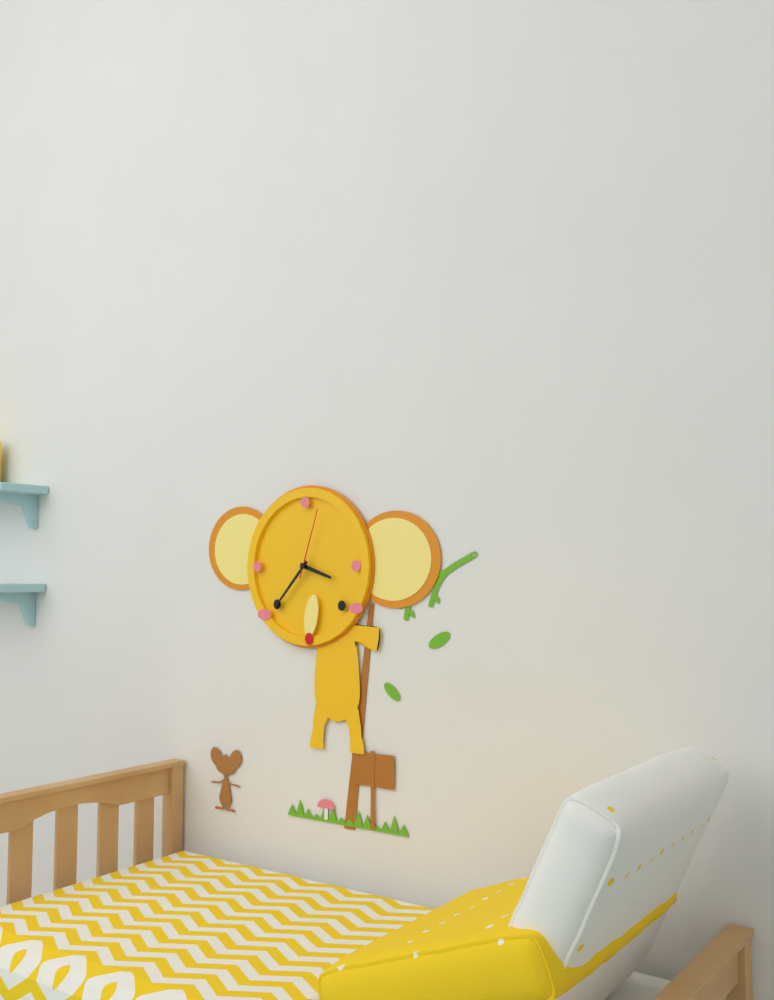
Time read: **3:37:03**
